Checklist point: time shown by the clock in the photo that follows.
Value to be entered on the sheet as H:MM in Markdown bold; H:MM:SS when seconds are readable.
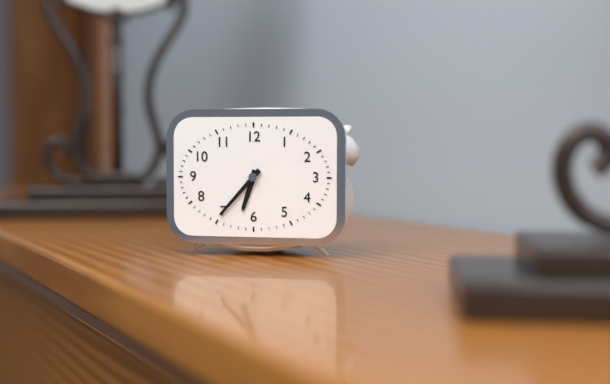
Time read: **6:37**
